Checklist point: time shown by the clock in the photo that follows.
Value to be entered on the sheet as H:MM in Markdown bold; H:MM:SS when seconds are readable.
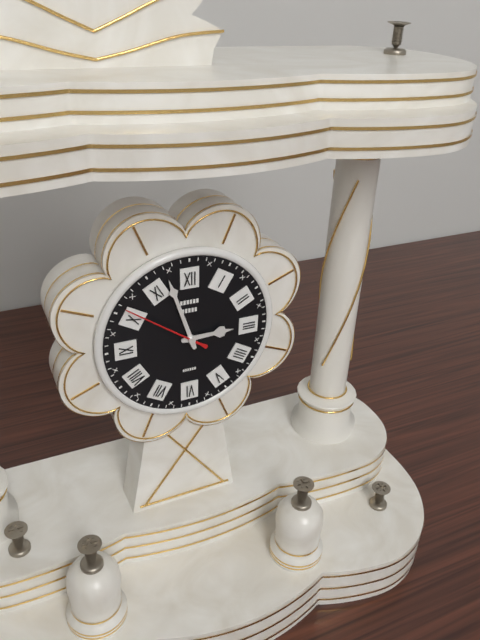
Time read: **2:57:51**
